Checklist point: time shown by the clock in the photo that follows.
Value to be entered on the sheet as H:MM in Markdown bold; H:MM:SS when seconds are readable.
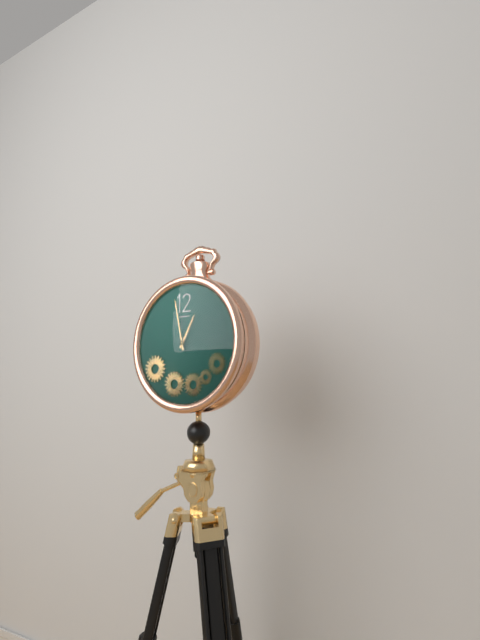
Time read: **12:58**
